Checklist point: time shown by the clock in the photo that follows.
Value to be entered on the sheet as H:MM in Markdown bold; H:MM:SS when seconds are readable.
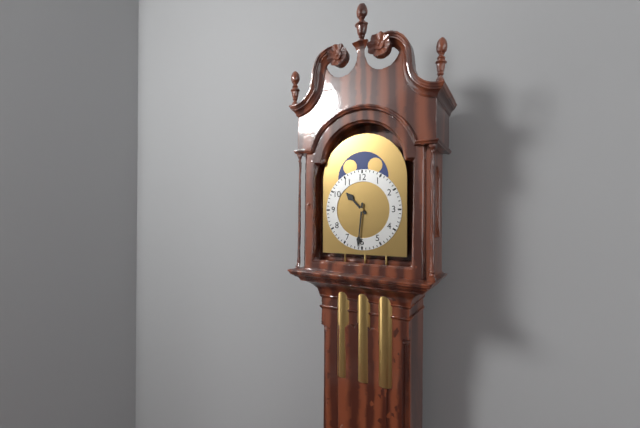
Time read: **10:31**
